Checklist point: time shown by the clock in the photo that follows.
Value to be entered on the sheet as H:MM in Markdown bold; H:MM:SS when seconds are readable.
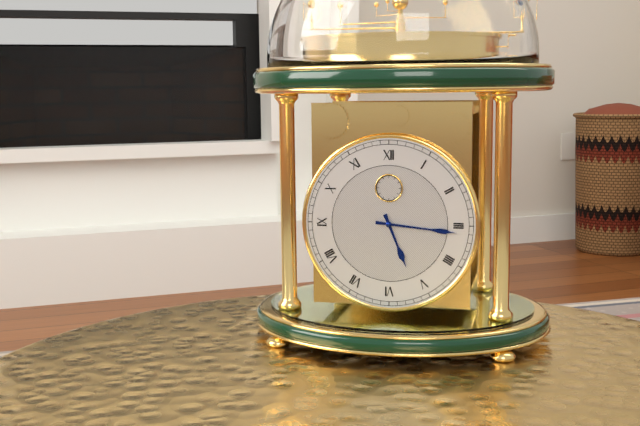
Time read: **5:16**
